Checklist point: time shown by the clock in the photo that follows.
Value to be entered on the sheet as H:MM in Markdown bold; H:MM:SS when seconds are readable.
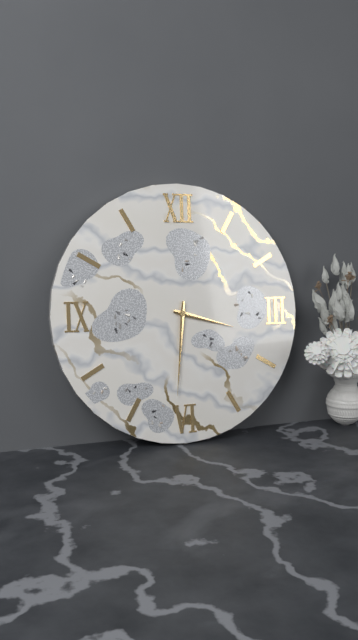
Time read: **3:31**
